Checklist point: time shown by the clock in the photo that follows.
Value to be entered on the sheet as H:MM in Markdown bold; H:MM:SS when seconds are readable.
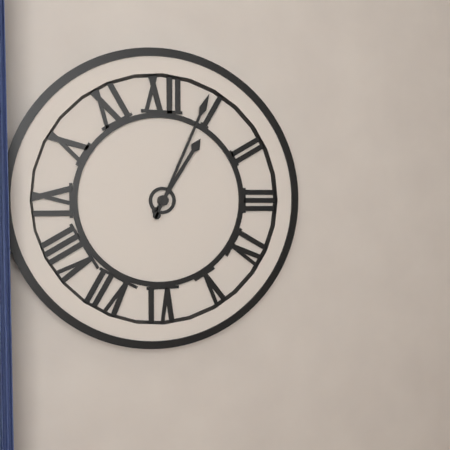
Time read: **1:04**
